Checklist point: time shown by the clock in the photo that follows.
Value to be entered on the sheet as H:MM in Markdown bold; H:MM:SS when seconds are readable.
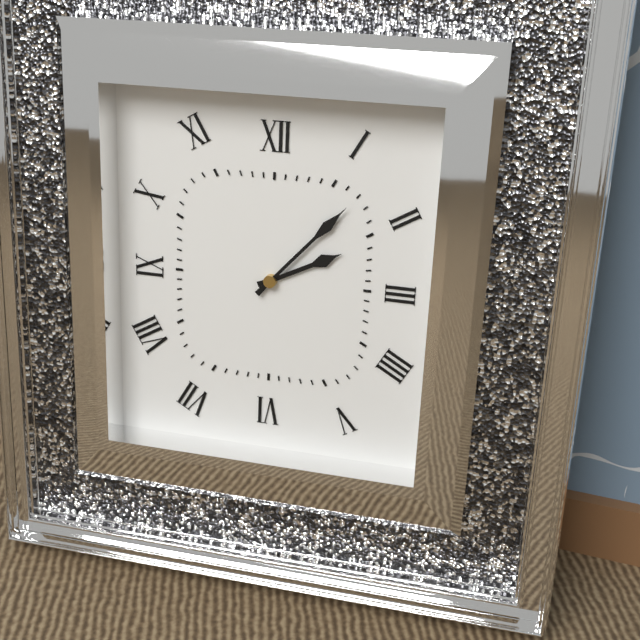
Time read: **2:07**
